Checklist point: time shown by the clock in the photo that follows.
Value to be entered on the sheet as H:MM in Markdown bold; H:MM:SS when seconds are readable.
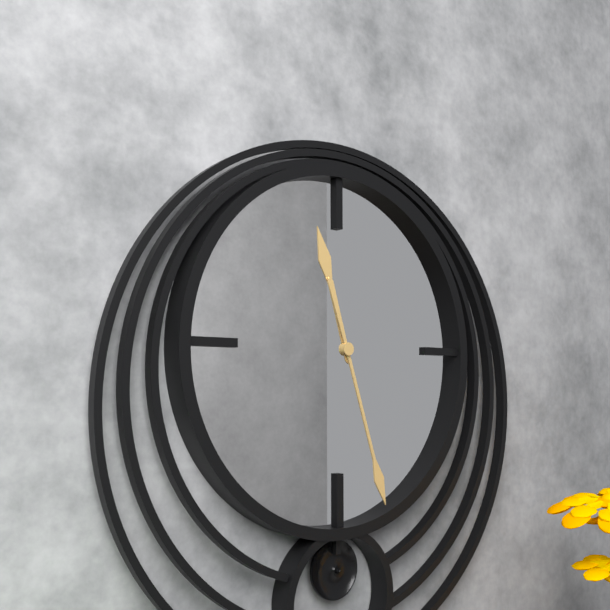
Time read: **11:27**
